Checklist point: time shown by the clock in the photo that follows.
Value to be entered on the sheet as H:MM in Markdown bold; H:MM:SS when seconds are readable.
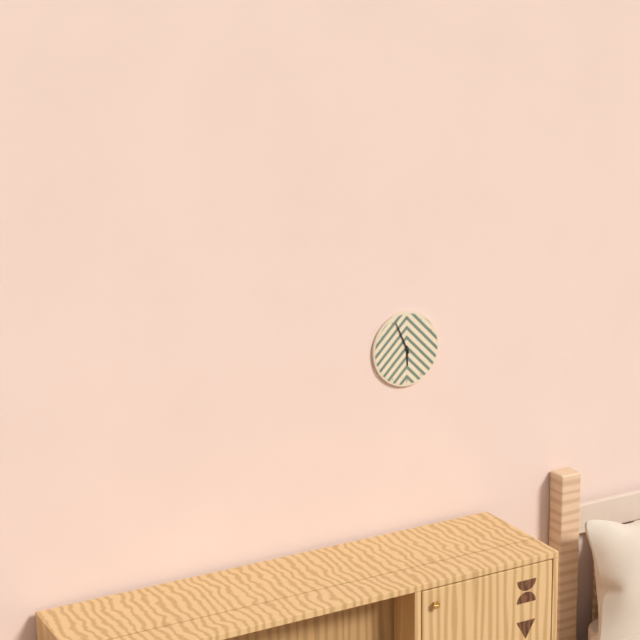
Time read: **5:56**
